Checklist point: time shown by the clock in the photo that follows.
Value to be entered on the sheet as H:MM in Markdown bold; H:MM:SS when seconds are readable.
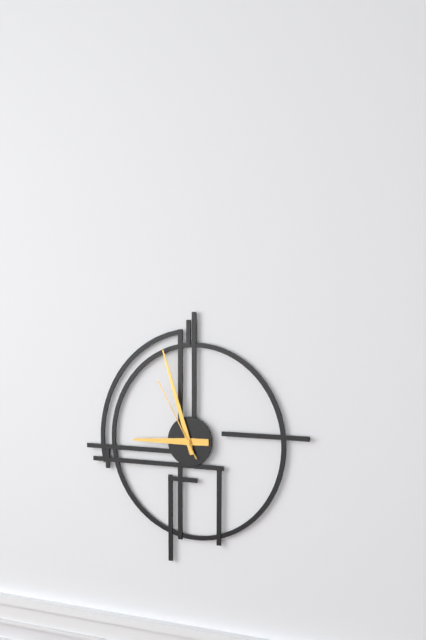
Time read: **8:57:55**
